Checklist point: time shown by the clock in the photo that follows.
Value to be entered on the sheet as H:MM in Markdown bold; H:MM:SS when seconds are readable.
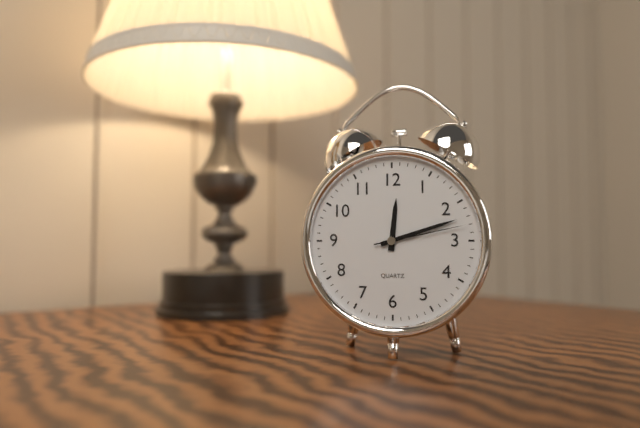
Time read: **12:12:13**
